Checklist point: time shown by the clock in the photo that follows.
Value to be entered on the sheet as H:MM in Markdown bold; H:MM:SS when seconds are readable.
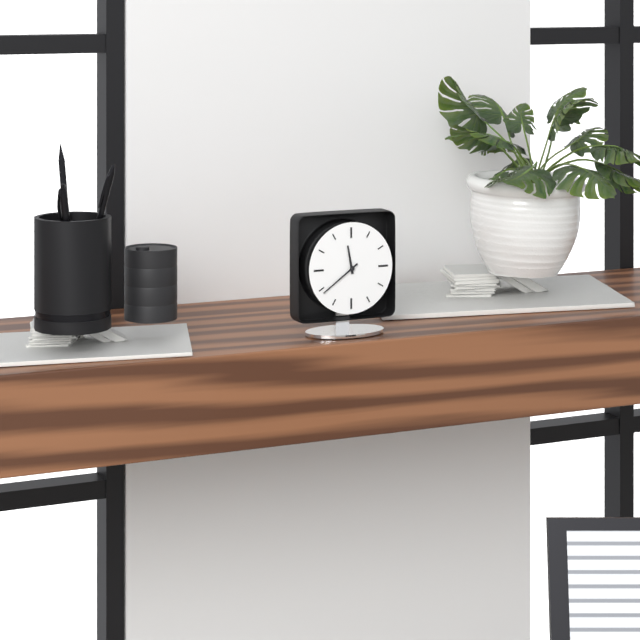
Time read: **11:39**
